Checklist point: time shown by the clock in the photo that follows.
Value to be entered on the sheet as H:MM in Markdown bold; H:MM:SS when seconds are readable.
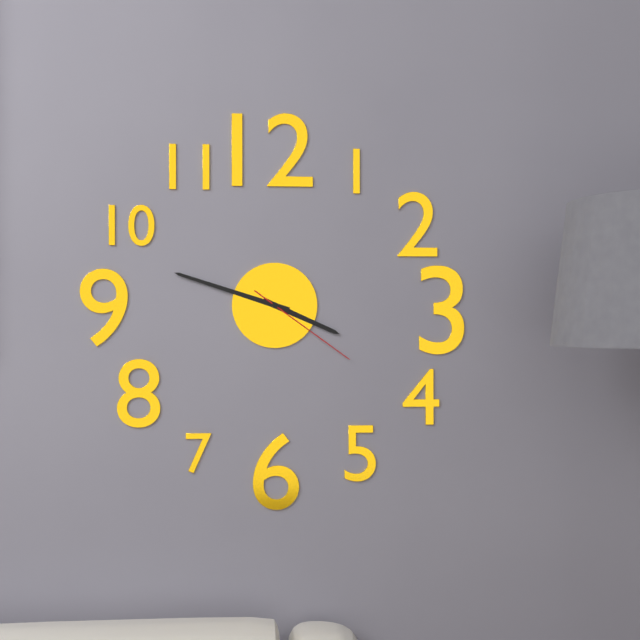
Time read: **3:48:21**
